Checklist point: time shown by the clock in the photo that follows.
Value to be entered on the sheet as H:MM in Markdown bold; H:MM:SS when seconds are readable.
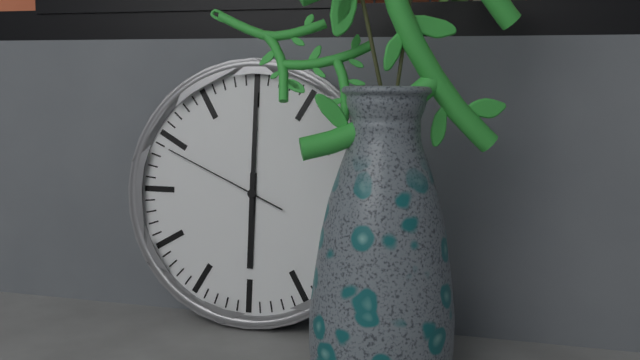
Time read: **6:00:49**
